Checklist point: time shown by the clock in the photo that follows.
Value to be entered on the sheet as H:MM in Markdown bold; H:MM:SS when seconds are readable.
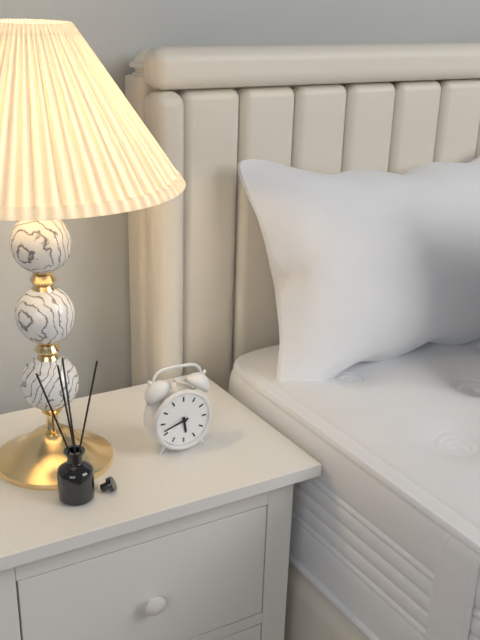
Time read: **5:42**
